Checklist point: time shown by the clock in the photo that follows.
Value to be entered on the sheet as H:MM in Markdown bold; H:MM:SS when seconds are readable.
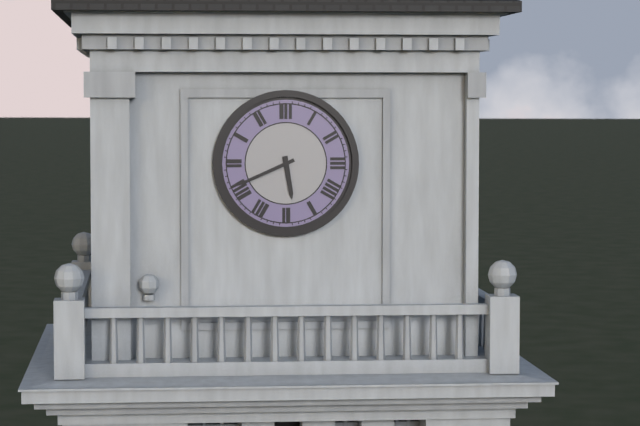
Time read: **5:41**
